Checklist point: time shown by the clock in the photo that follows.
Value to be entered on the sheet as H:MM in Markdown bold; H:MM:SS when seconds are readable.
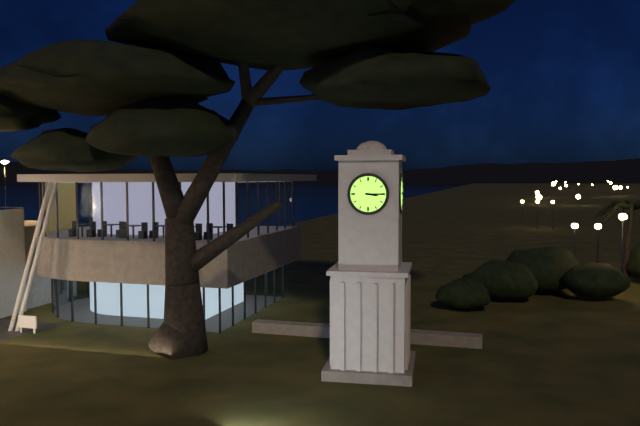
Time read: **3:15**
